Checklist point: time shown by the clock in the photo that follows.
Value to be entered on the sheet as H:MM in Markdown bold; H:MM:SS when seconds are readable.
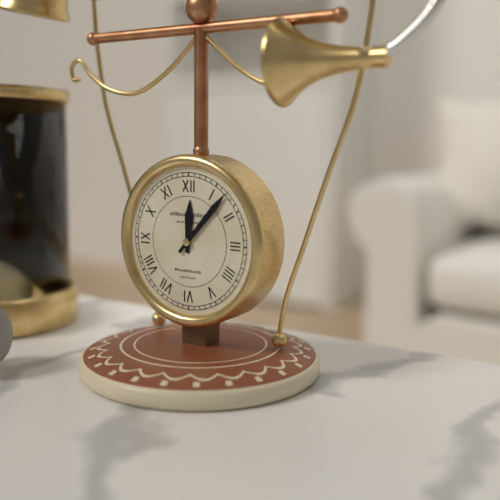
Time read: **12:07**
